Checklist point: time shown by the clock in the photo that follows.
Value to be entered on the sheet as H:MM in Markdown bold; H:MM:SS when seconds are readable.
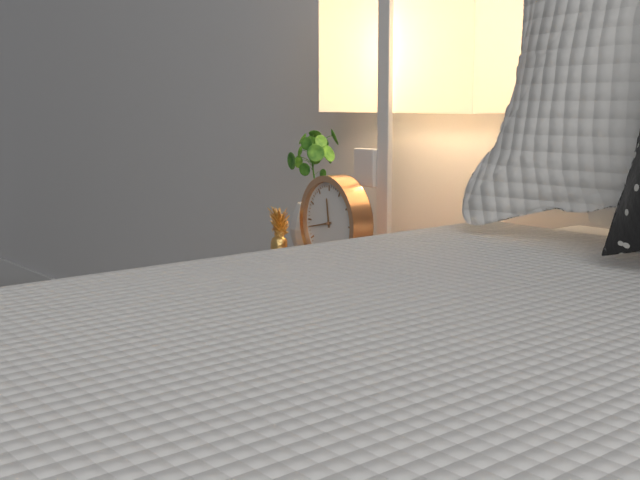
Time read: **11:43**
